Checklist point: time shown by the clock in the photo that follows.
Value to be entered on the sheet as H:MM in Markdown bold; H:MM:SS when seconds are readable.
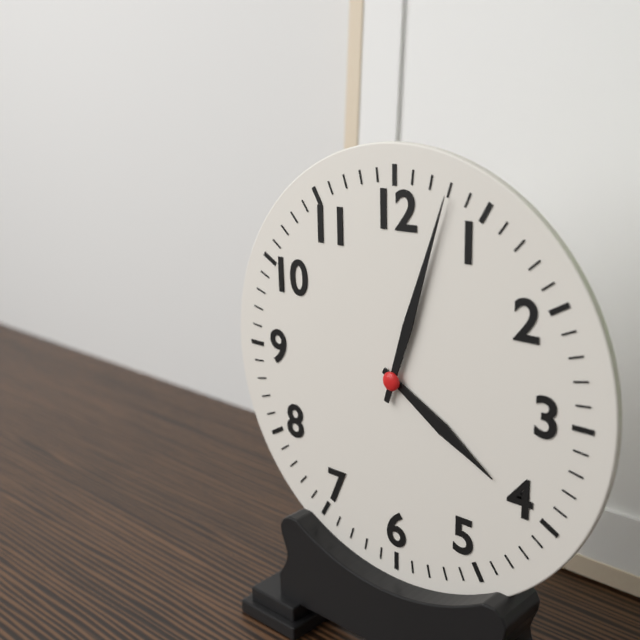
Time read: **4:03**
